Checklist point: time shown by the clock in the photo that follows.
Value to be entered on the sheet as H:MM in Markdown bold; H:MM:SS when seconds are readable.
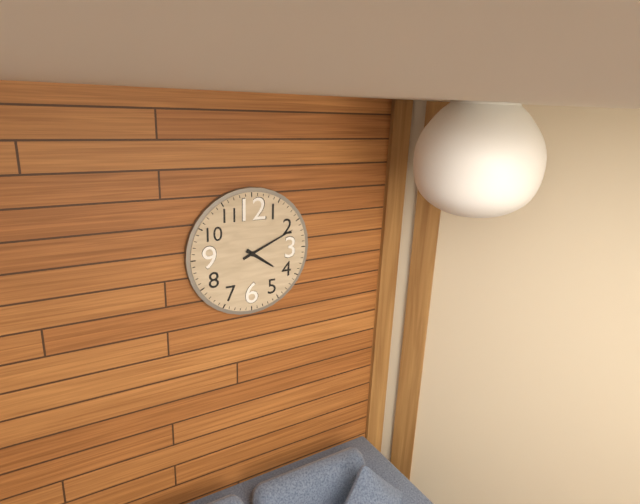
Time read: **4:11**
